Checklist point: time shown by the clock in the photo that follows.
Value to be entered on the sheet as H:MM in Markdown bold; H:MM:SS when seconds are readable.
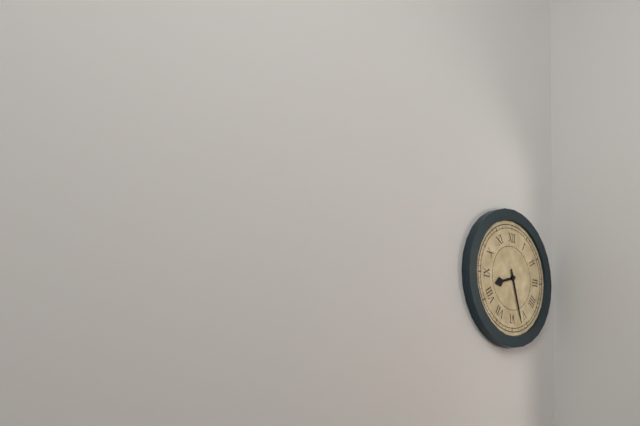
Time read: **8:27**
